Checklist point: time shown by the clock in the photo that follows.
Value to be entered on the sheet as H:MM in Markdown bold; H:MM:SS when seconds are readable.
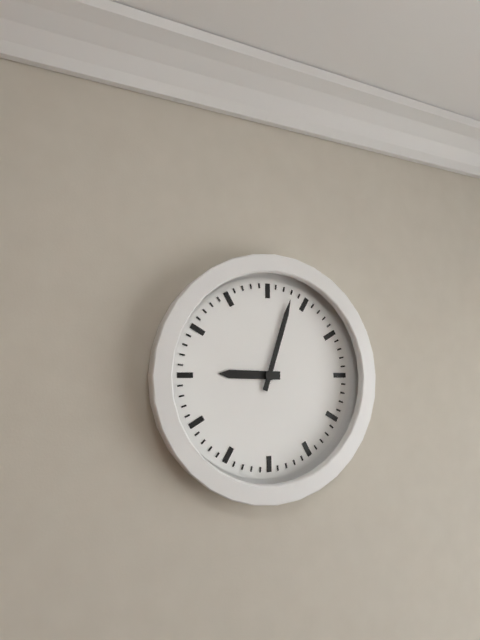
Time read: **9:03**
